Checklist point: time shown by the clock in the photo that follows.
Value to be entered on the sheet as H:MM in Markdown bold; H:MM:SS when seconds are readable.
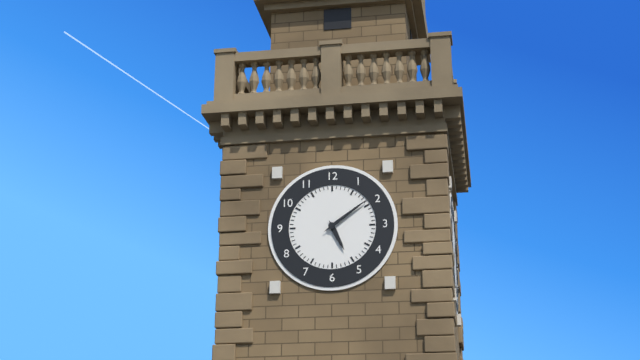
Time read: **5:09**
